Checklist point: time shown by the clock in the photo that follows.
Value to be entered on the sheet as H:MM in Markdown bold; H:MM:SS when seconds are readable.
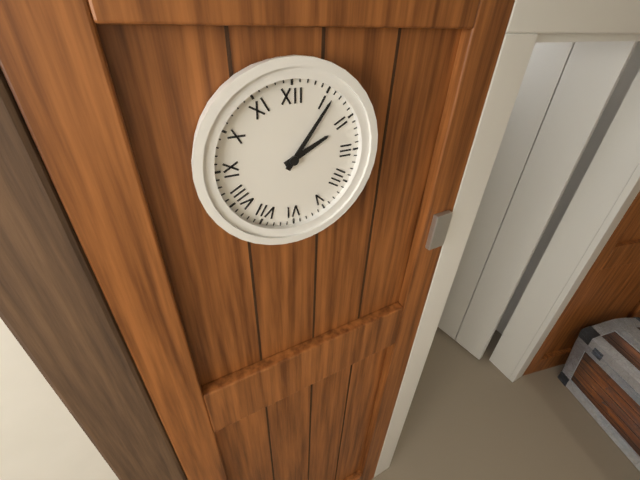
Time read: **2:06**
